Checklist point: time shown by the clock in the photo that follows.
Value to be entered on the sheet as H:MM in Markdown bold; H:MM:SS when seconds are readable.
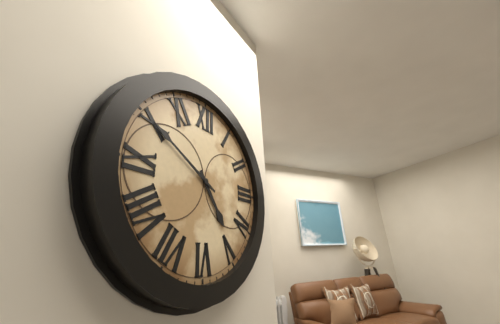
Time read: **4:50**
